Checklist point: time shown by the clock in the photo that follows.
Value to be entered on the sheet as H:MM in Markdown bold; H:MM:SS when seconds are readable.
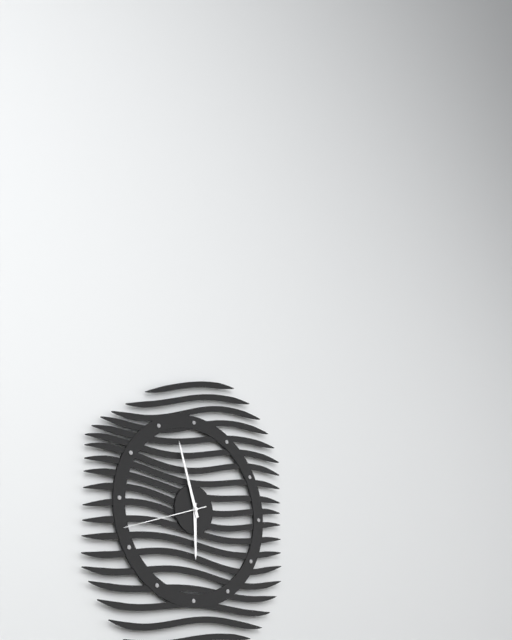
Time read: **5:57:42**
